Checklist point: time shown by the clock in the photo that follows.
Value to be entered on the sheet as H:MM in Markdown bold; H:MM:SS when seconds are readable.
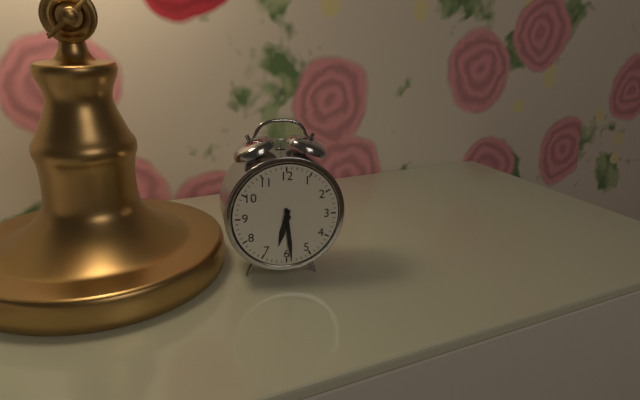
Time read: **6:29**
